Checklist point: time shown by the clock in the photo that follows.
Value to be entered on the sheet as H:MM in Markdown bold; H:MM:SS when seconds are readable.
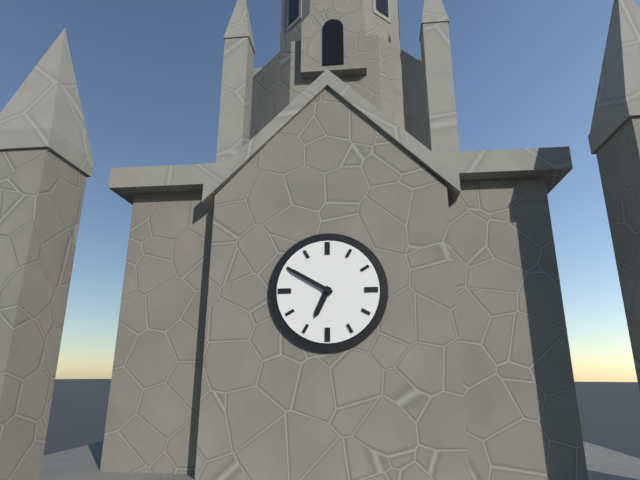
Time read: **6:50**
